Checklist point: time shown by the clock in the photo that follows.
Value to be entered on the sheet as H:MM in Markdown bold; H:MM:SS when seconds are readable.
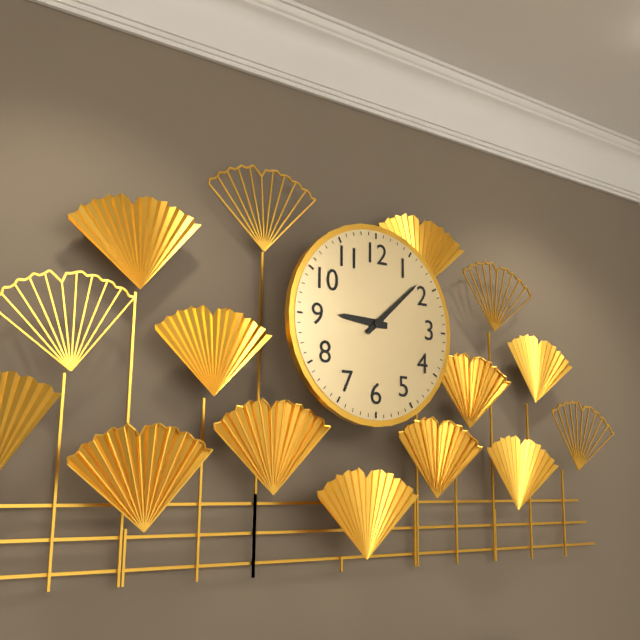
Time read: **9:08**
